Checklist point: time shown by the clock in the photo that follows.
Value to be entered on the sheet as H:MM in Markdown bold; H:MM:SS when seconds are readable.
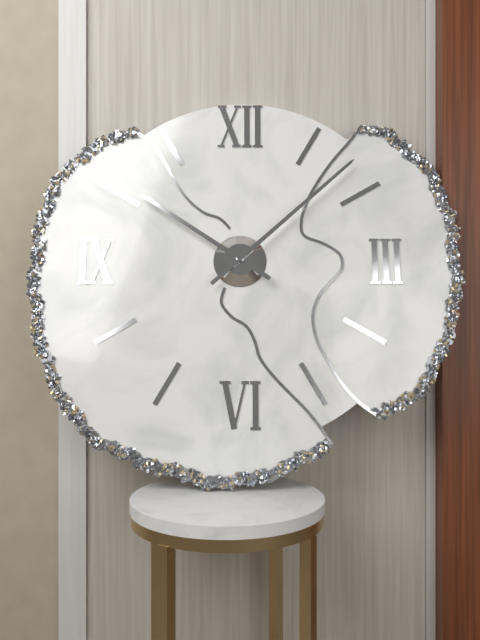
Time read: **10:08**
